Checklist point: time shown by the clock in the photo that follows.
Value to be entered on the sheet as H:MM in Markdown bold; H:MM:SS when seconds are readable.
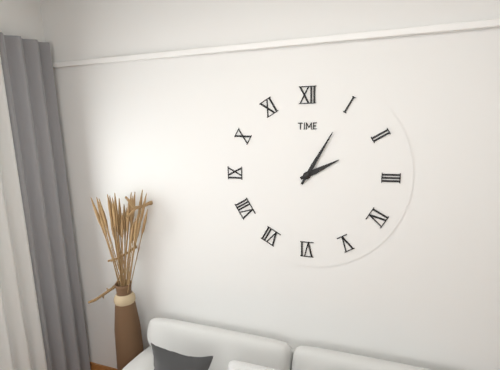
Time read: **2:05**
